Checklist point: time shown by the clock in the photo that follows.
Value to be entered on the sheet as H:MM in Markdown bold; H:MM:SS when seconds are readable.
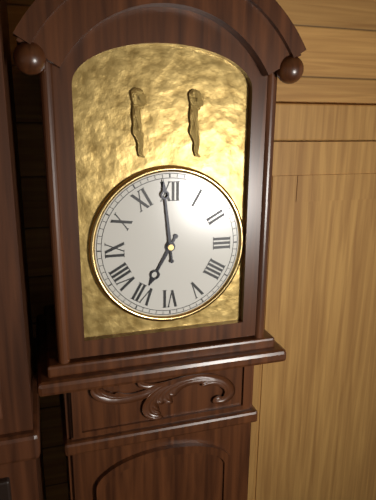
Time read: **6:59**
